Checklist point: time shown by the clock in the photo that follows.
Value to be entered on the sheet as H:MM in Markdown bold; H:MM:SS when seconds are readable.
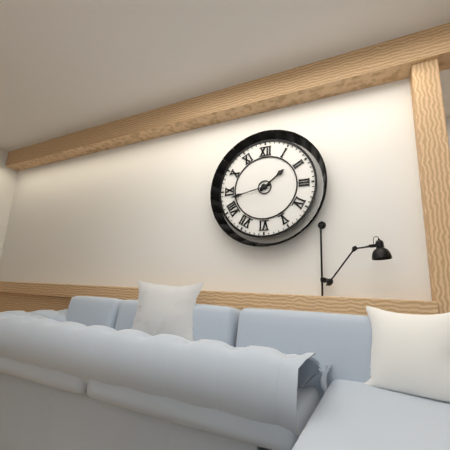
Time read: **1:43**
